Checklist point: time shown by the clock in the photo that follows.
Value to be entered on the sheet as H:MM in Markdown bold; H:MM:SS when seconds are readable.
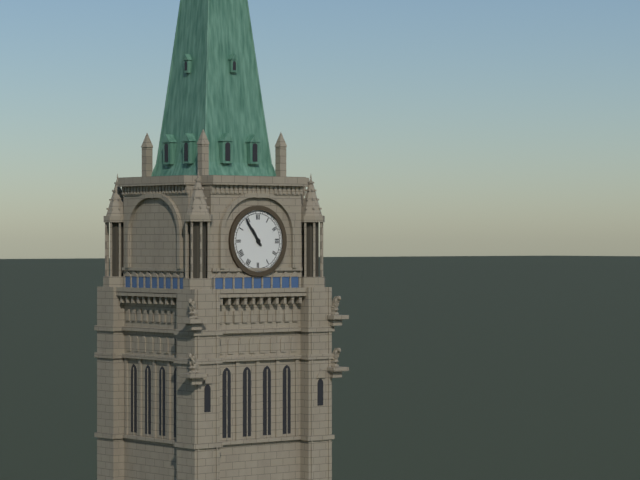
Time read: **10:54**
